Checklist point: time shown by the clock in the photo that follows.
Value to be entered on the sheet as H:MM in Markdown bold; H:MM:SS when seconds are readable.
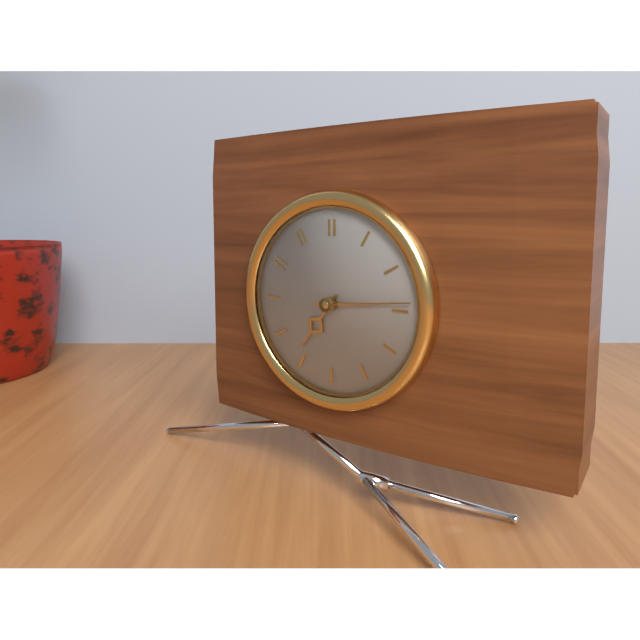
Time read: **7:14**
